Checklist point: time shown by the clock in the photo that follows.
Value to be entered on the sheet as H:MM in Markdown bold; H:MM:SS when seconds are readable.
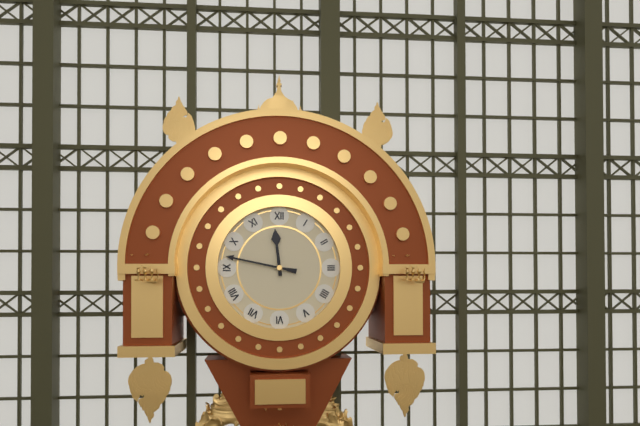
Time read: **11:47**
